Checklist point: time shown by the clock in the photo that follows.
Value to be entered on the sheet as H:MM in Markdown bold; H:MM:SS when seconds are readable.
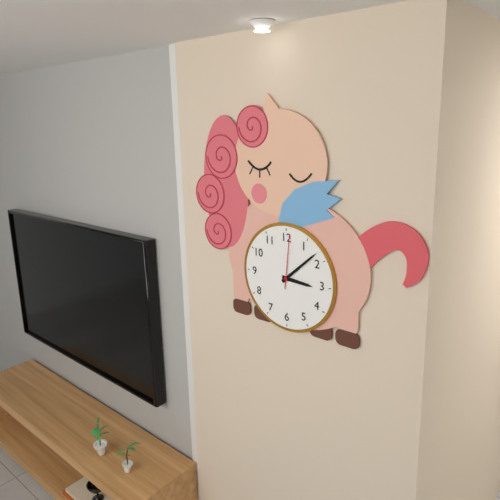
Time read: **3:08:01**
